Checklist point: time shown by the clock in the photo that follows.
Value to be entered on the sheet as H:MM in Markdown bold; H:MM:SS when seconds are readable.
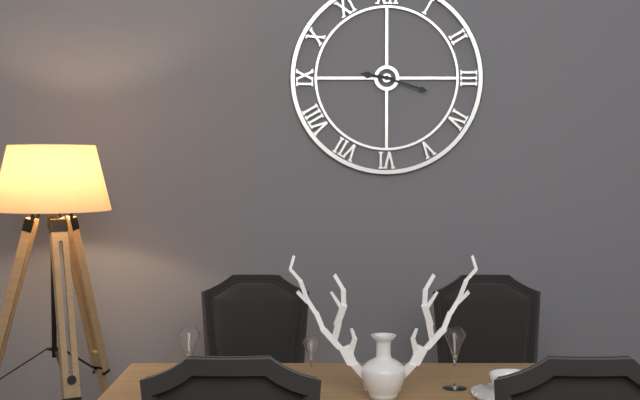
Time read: **9:18**
